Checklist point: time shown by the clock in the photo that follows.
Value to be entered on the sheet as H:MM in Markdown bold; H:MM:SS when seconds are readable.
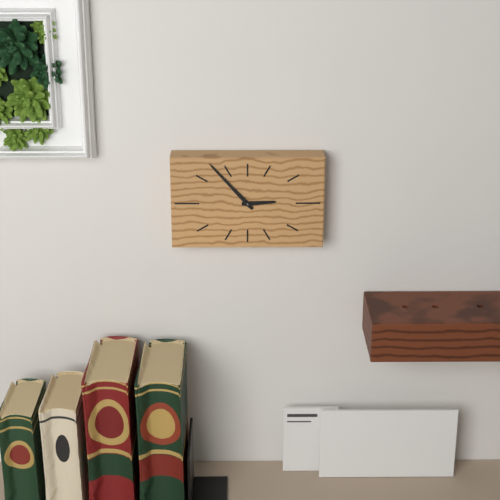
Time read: **2:53**
